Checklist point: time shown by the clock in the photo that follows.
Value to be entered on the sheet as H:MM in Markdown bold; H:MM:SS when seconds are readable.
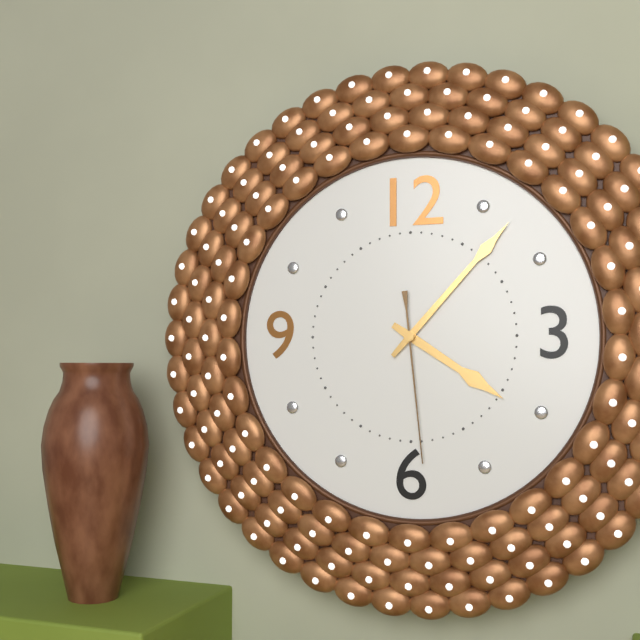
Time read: **4:07:29**
